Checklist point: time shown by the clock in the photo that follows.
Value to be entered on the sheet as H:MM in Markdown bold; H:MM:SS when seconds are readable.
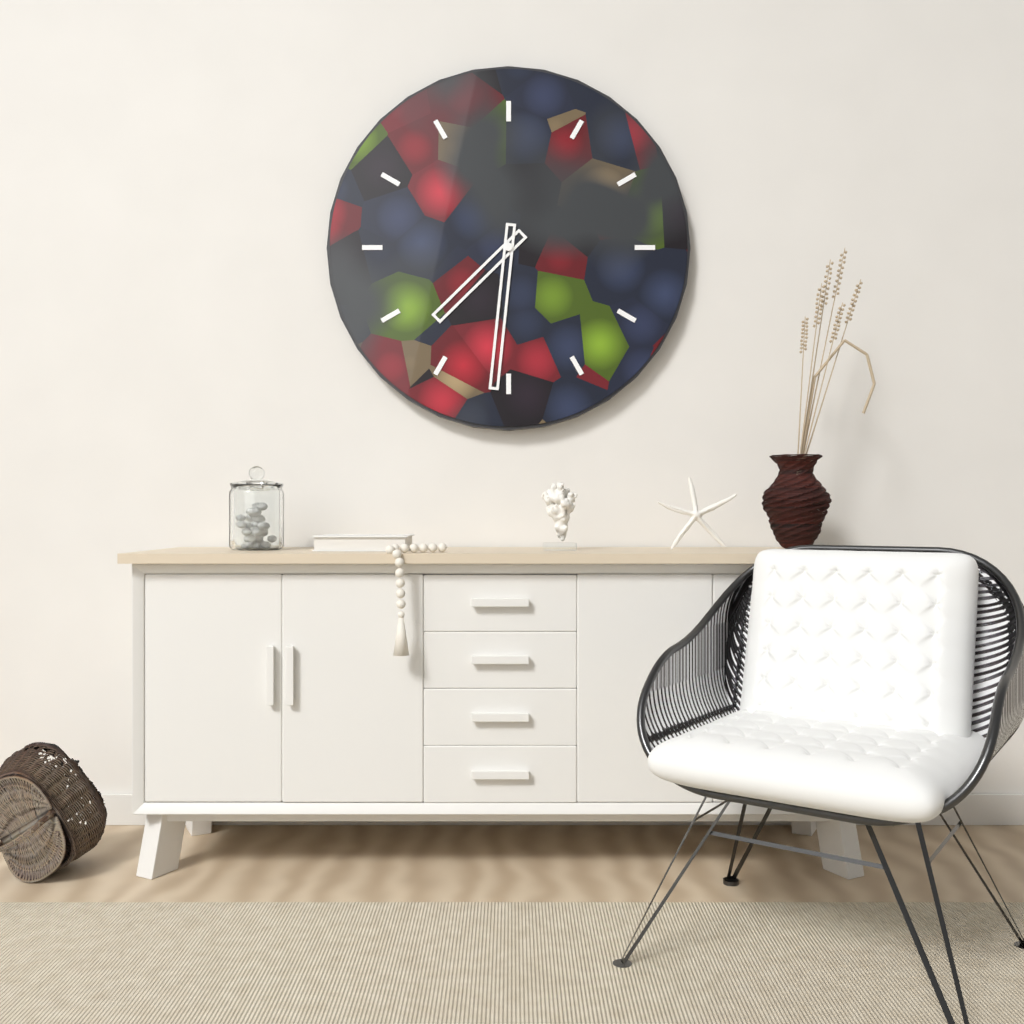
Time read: **7:31**
